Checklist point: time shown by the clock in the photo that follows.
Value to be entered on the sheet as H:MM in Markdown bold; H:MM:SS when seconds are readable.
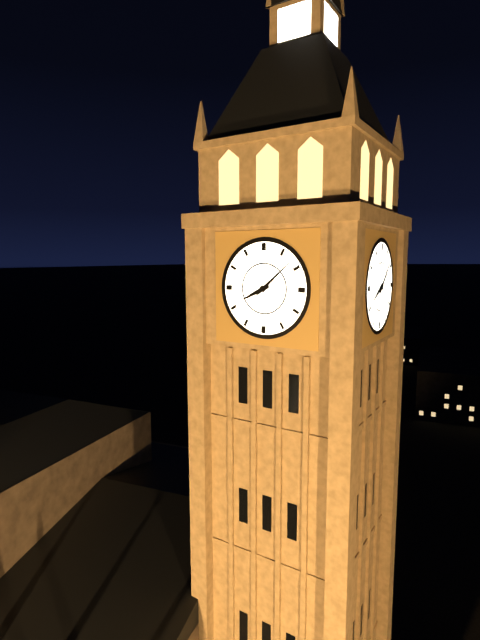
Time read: **8:08**
